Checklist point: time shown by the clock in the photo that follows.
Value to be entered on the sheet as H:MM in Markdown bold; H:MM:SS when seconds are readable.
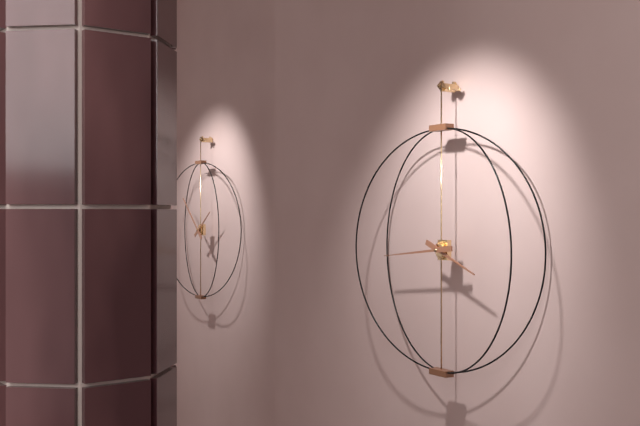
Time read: **3:44**
